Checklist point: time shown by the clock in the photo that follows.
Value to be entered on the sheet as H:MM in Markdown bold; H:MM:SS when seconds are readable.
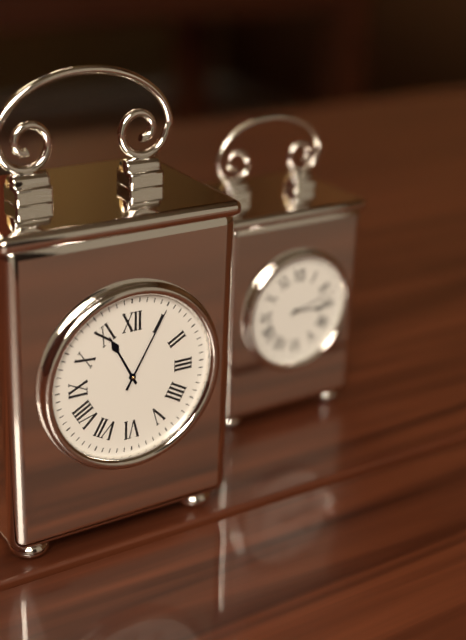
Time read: **11:05**
